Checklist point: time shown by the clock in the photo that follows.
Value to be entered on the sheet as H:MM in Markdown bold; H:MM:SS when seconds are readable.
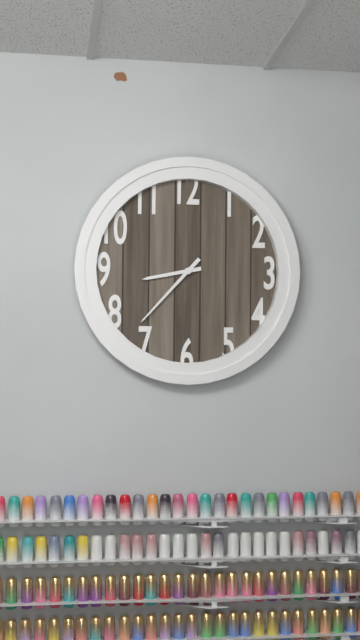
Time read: **8:37**
